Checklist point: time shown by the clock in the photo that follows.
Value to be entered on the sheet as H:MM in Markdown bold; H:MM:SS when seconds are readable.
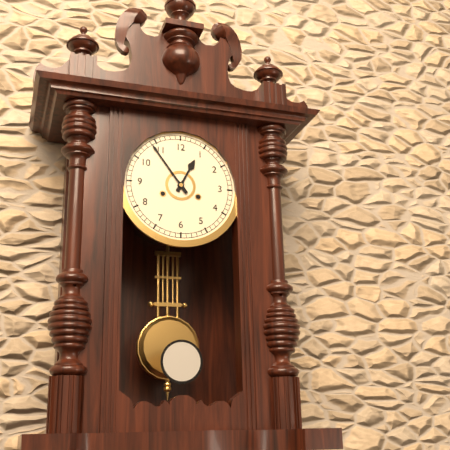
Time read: **12:54**
